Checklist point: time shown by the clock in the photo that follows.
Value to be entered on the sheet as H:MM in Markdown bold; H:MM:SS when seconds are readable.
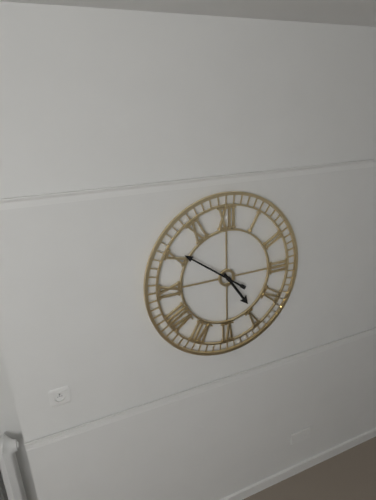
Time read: **4:51**
